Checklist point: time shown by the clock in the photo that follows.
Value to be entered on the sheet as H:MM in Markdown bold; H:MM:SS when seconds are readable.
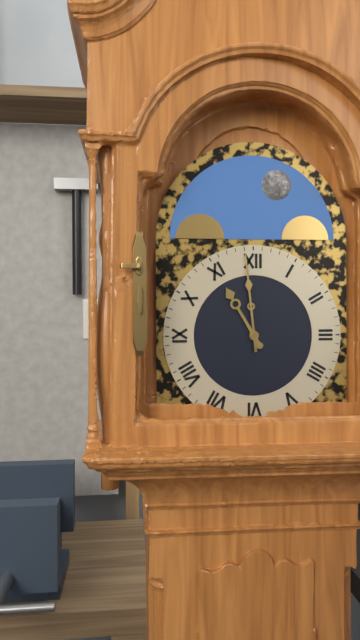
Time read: **10:59**
